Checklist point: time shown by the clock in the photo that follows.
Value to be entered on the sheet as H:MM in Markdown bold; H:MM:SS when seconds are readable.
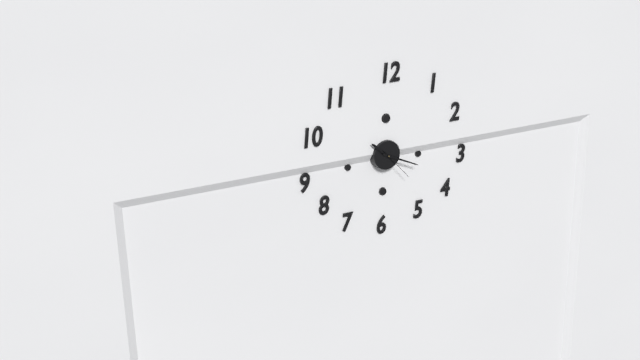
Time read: **10:19**
